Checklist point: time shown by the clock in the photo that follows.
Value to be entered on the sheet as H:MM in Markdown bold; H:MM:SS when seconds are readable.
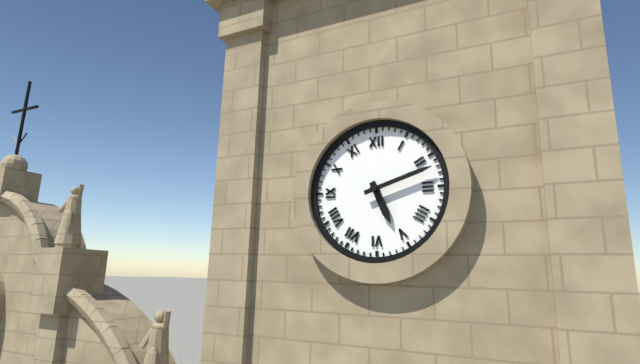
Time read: **5:12**
